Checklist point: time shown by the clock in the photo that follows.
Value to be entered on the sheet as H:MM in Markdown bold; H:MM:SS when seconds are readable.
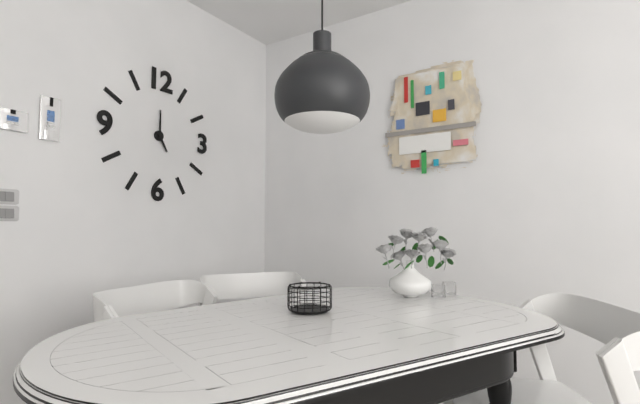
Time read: **5:00**
